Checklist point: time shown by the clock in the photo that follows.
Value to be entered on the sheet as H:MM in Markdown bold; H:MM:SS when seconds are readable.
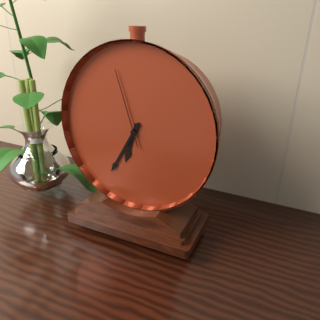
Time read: **6:35:57**
